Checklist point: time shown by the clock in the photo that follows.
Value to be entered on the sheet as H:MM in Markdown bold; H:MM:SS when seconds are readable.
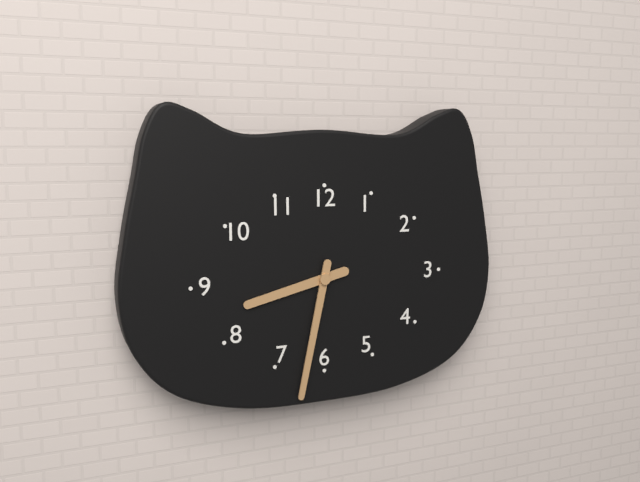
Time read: **8:32**
